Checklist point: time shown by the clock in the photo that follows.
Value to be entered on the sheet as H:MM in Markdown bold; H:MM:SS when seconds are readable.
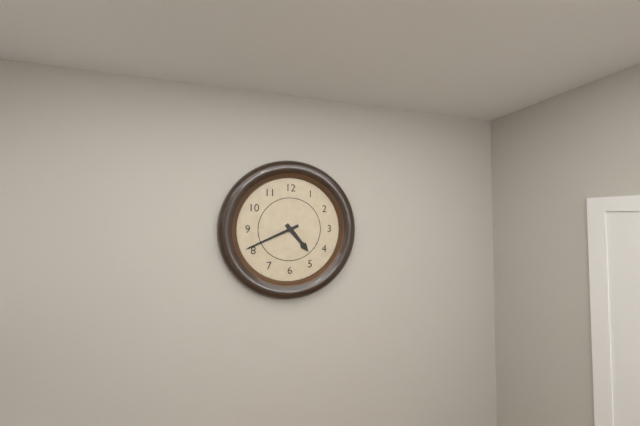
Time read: **4:41**
